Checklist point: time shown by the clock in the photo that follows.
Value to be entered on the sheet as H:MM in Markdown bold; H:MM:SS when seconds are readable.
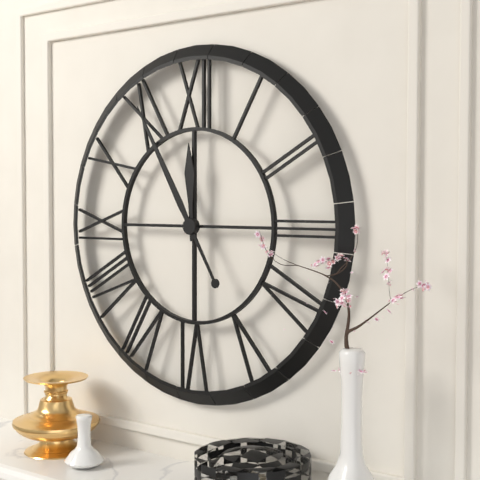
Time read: **11:55**
